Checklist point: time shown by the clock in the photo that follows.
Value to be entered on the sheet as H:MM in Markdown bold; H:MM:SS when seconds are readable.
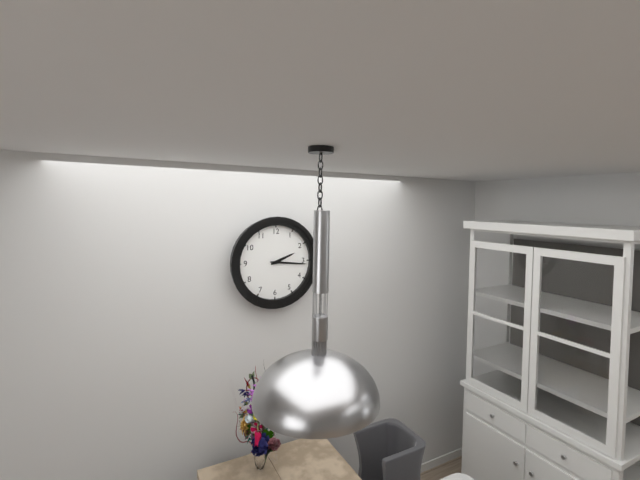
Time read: **2:16**
